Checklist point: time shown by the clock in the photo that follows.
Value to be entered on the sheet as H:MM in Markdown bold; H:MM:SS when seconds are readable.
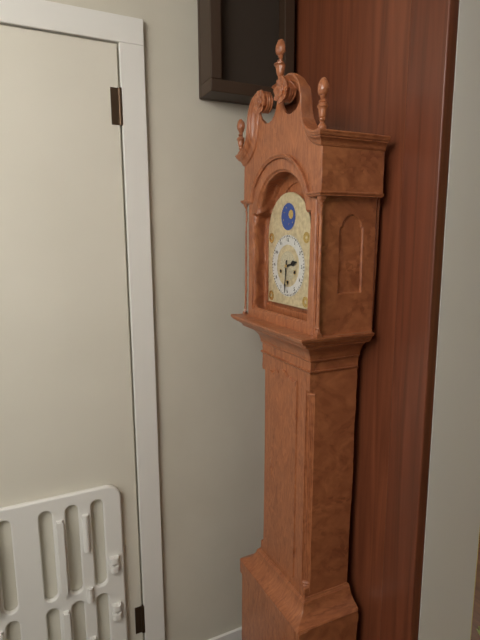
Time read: **2:31**
